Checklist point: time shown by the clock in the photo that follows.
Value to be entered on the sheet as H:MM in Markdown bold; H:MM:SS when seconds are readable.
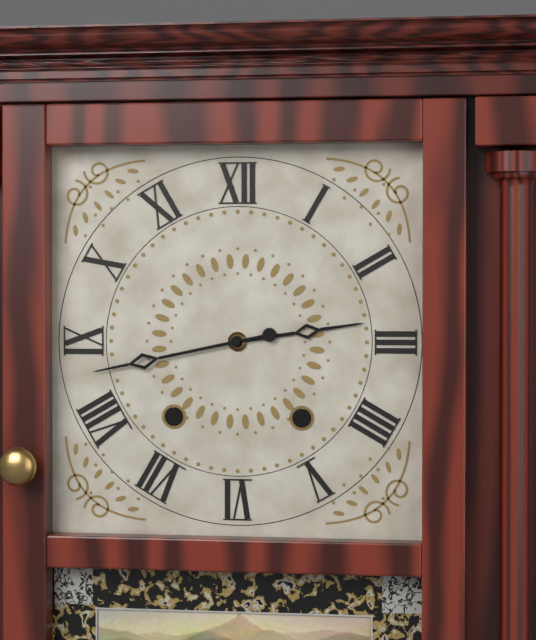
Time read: **2:43**
